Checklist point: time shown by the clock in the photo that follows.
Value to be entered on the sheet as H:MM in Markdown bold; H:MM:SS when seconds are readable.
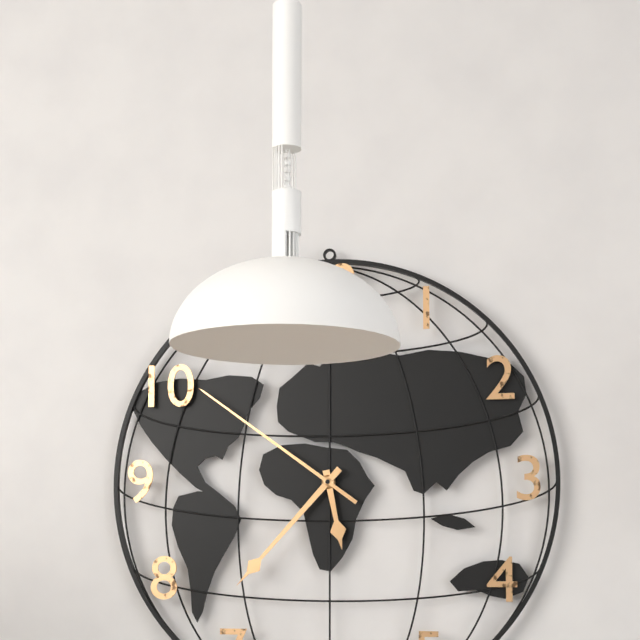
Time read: **5:37:51**
